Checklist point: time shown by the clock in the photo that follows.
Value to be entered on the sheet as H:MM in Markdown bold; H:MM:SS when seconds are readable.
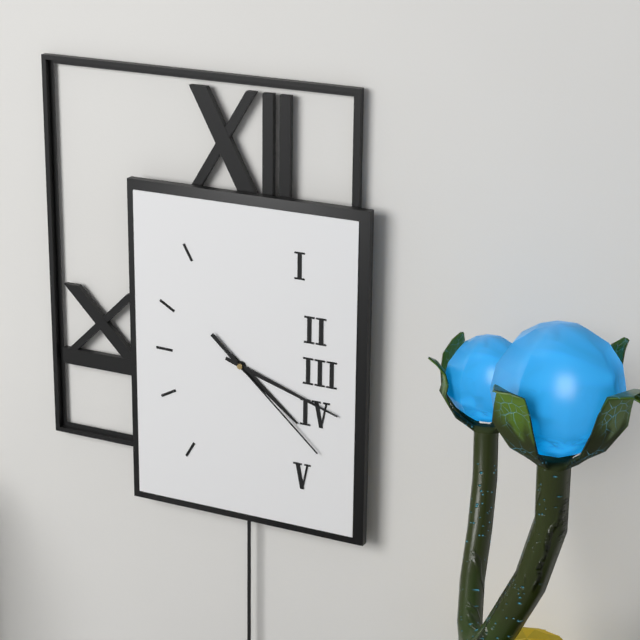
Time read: **4:18:22**
